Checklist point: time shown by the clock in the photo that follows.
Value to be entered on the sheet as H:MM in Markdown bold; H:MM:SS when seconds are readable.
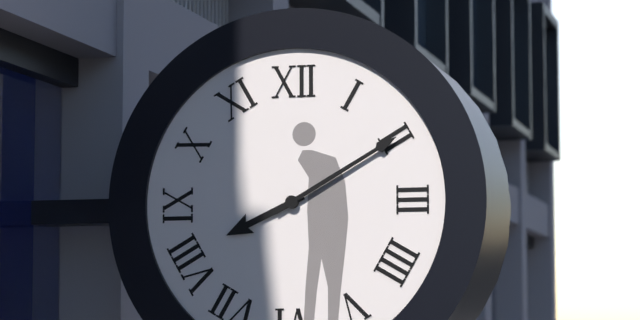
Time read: **8:10**
